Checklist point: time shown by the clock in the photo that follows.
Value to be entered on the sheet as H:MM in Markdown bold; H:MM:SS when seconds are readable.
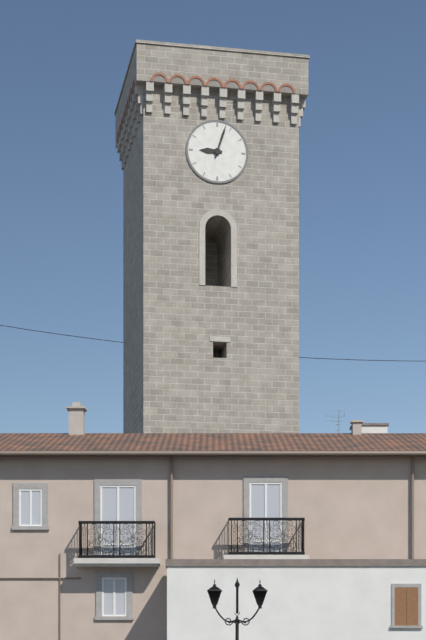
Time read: **9:03**
